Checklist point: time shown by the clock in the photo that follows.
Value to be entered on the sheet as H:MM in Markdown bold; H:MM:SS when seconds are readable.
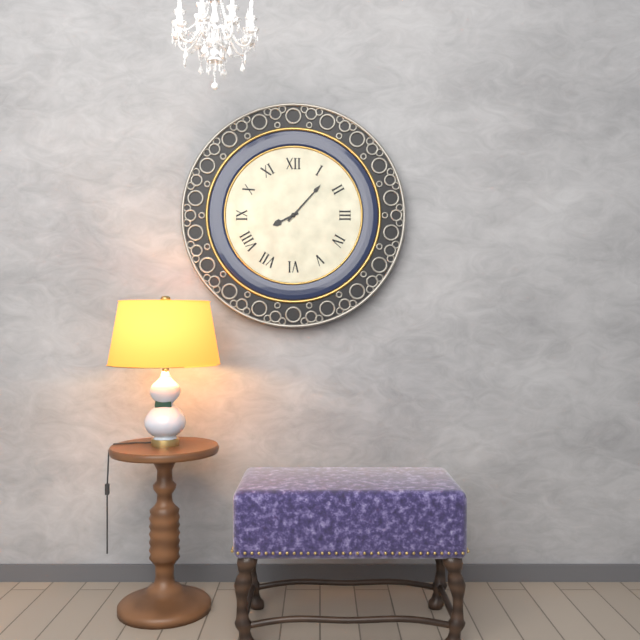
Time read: **8:07**
